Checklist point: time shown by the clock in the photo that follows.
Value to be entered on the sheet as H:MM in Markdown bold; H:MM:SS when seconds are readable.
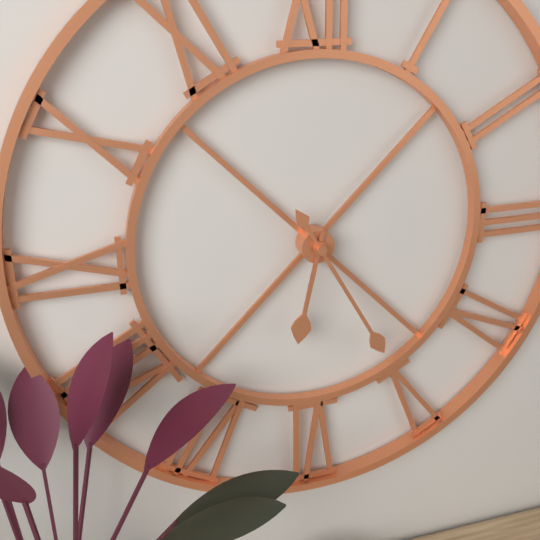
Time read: **6:25**
